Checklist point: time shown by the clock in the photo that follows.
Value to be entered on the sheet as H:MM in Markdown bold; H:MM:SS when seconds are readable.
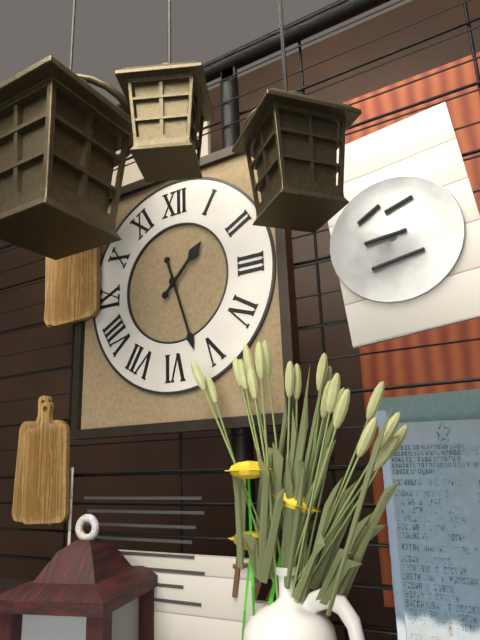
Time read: **1:27**
